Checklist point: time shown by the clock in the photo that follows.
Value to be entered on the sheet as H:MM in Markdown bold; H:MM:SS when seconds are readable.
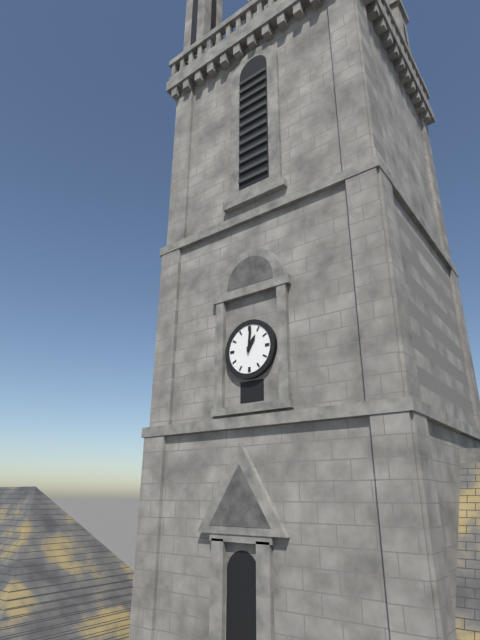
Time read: **1:01**
